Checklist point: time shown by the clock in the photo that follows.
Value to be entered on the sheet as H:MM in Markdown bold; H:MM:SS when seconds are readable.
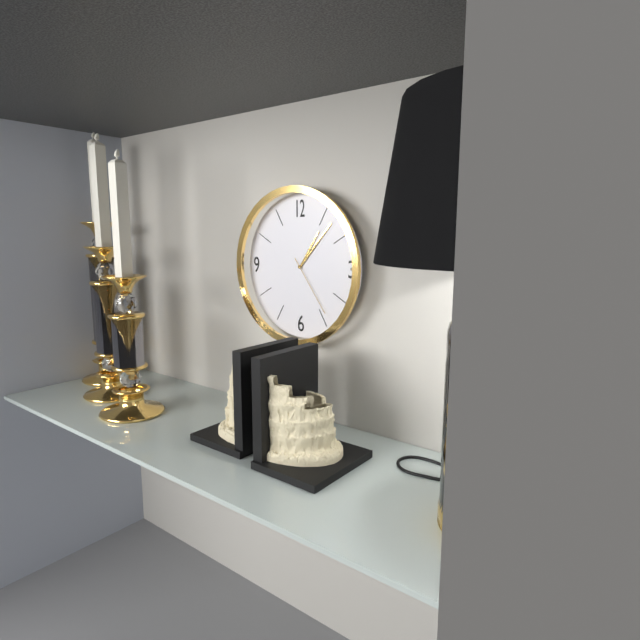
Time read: **1:07:24**
